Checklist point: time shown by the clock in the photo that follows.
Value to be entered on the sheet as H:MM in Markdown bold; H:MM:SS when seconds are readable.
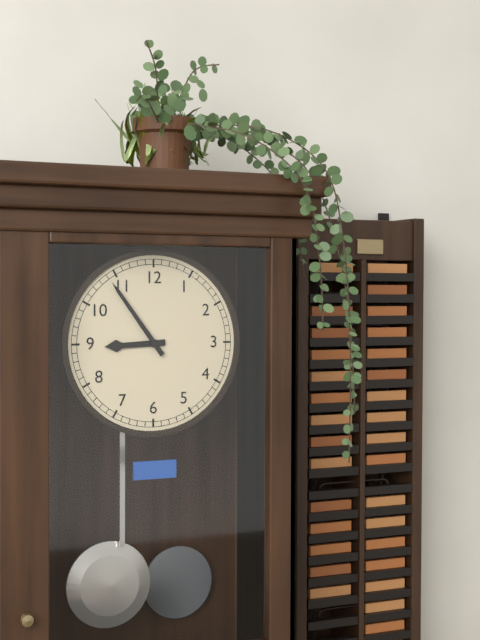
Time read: **8:54**
